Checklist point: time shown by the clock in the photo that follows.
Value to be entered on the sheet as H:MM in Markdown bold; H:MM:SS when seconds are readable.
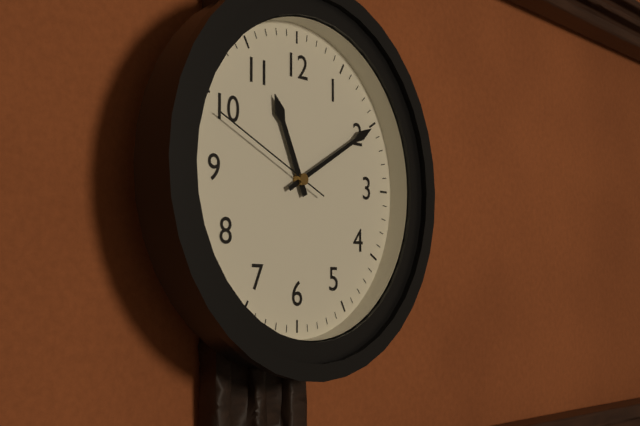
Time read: **11:10:49**
